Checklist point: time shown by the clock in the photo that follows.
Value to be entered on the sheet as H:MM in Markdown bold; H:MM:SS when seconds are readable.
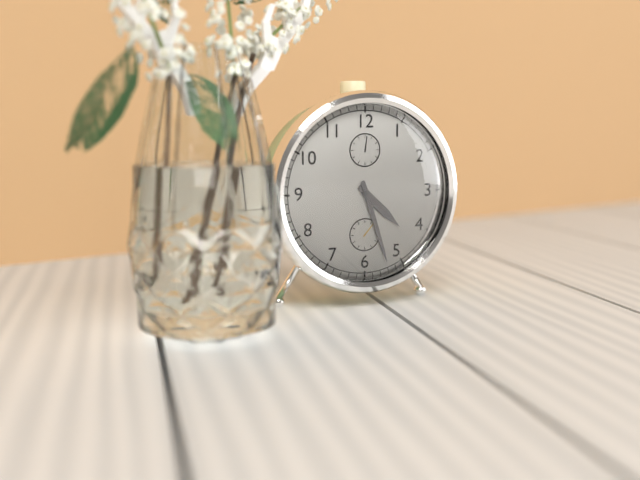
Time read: **4:27**
